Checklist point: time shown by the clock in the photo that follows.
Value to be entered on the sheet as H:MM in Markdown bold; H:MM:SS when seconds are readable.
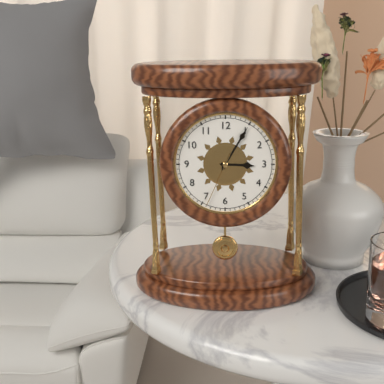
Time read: **3:05:34**
